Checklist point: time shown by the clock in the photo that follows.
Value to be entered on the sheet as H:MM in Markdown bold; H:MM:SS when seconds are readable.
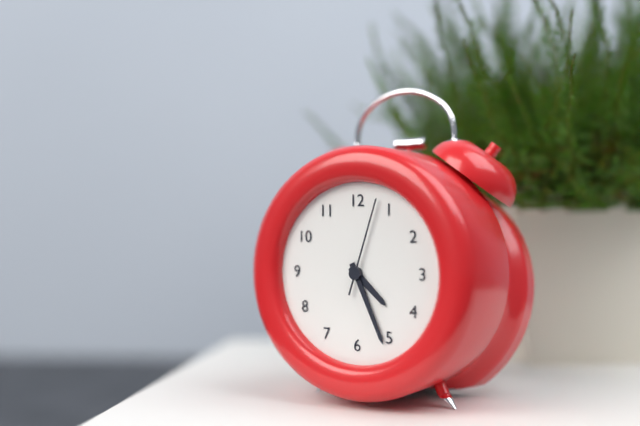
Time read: **4:26:03**
